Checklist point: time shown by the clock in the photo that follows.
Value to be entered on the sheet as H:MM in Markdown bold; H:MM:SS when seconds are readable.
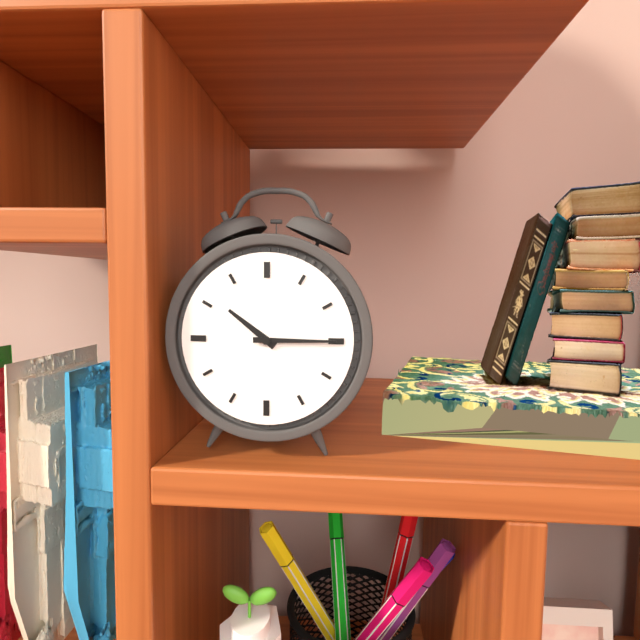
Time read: **10:15**
